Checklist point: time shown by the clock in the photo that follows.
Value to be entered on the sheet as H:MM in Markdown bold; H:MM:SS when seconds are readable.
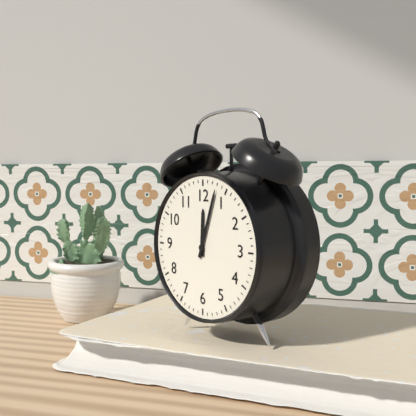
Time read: **12:03**
